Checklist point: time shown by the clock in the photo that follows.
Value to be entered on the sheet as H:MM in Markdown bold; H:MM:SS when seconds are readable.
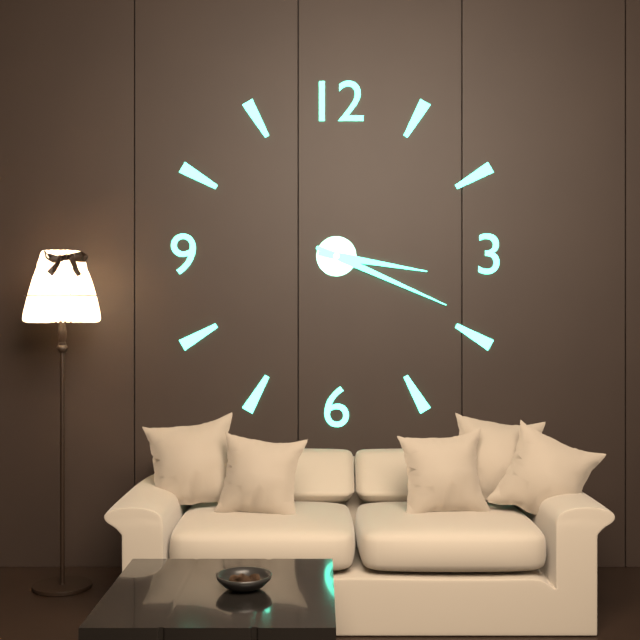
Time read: **3:19**
